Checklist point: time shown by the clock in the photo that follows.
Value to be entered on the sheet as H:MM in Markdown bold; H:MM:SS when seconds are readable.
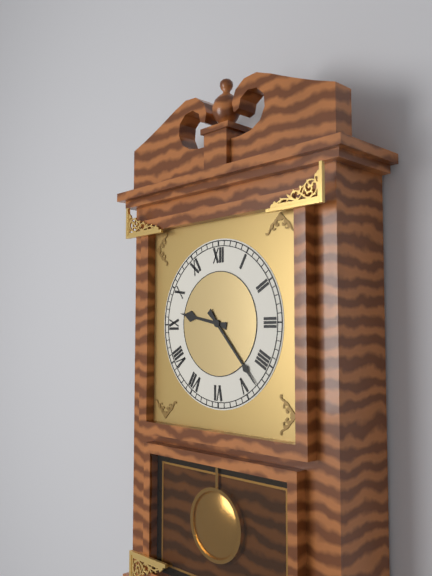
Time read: **9:23**
